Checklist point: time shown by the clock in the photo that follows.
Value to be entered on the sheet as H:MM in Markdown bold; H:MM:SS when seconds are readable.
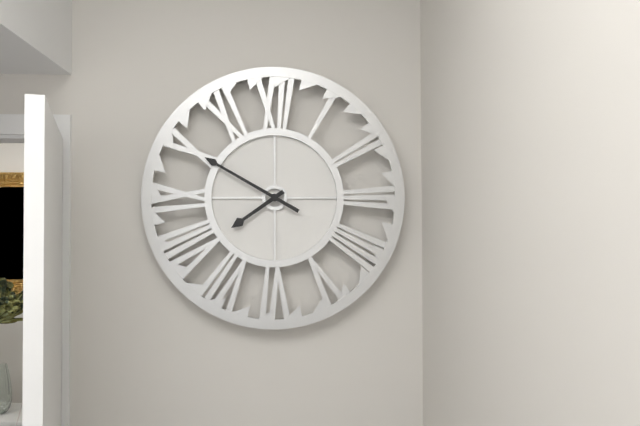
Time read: **7:50**
